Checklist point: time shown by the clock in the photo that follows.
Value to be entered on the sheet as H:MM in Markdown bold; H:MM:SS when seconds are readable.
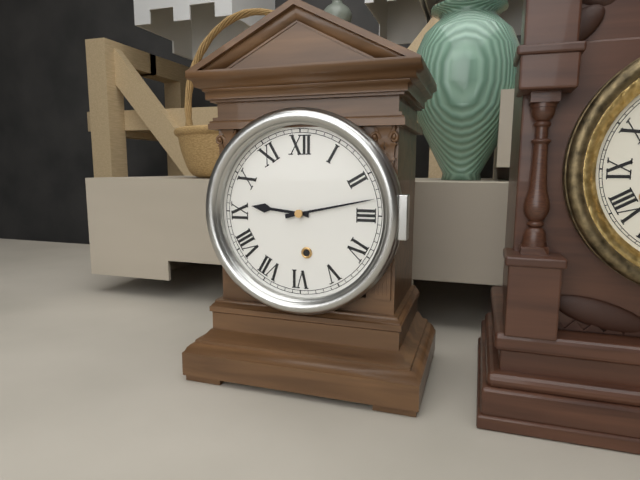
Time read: **9:13**
